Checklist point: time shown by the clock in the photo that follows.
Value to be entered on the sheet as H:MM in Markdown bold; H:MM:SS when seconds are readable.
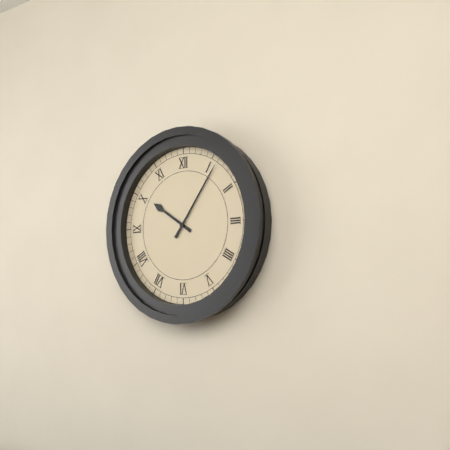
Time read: **10:06**
